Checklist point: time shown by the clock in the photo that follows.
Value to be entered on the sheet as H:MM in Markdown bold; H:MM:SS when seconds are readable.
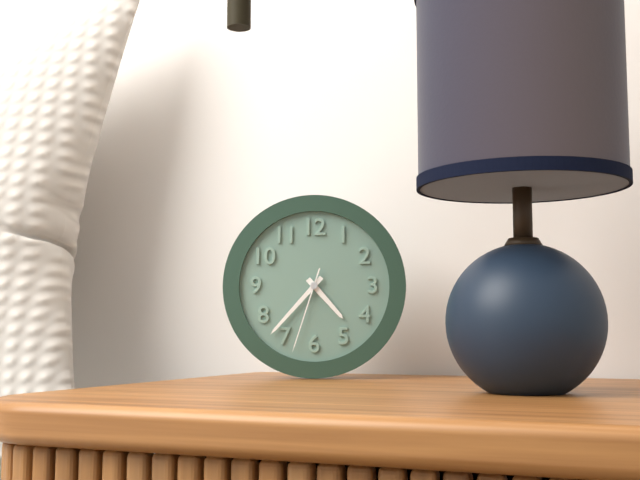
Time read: **4:37:33**
